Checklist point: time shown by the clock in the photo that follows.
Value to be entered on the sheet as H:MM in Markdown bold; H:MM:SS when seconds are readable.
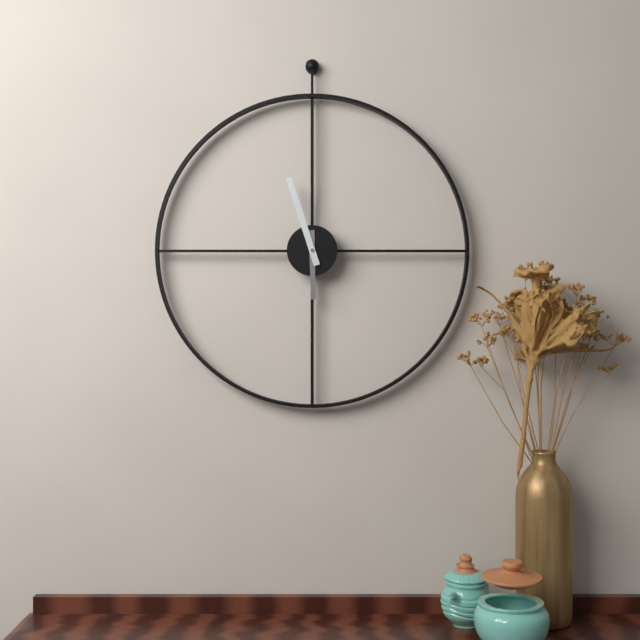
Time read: **5:57**
